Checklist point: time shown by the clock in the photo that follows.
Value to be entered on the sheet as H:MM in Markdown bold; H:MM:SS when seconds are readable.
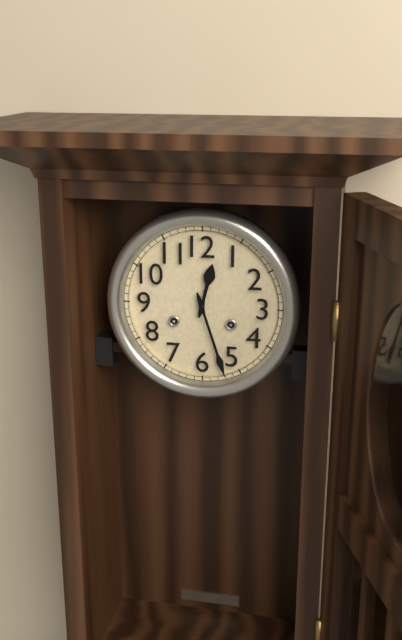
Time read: **12:27**
